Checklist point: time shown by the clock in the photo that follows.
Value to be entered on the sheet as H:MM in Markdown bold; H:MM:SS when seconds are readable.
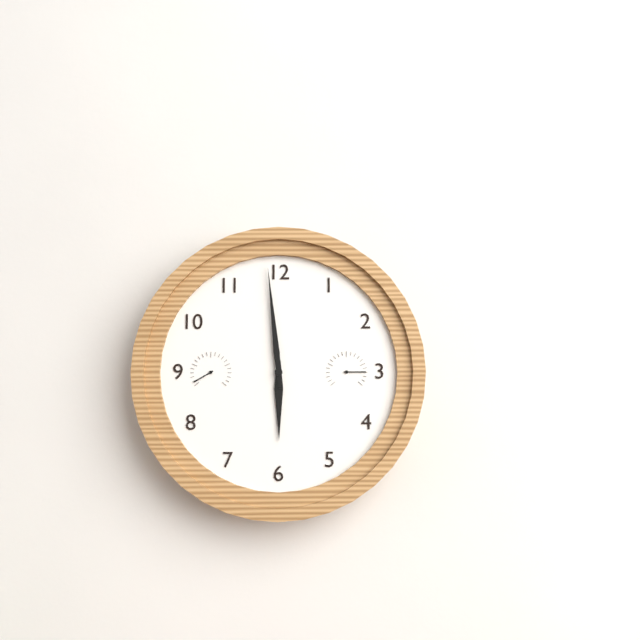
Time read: **5:59**
